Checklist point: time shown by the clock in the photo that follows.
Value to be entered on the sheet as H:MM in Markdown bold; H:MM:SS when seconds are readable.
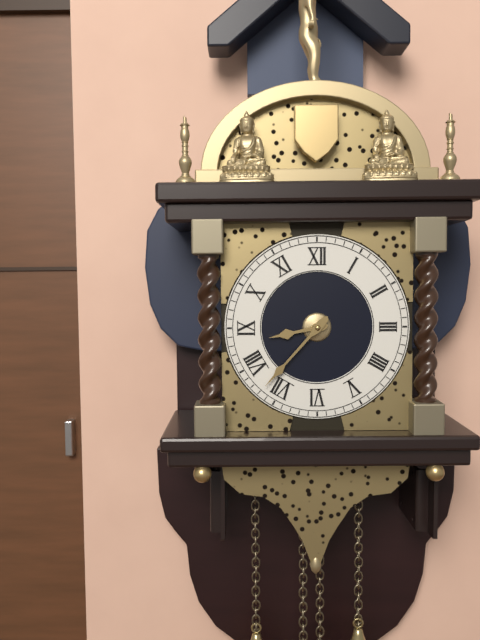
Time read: **8:37**
